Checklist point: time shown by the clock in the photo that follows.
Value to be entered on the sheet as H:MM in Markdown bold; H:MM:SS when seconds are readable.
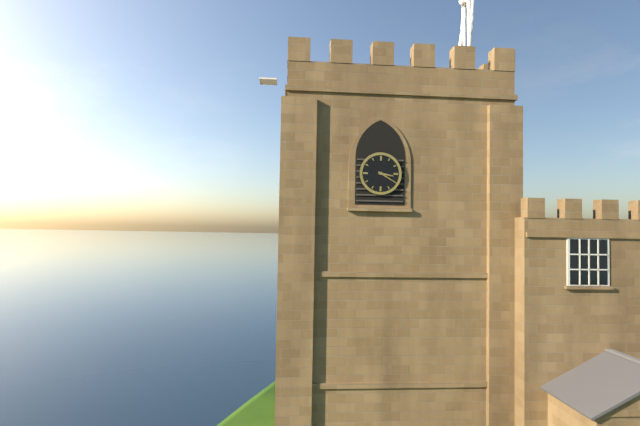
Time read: **3:20**
